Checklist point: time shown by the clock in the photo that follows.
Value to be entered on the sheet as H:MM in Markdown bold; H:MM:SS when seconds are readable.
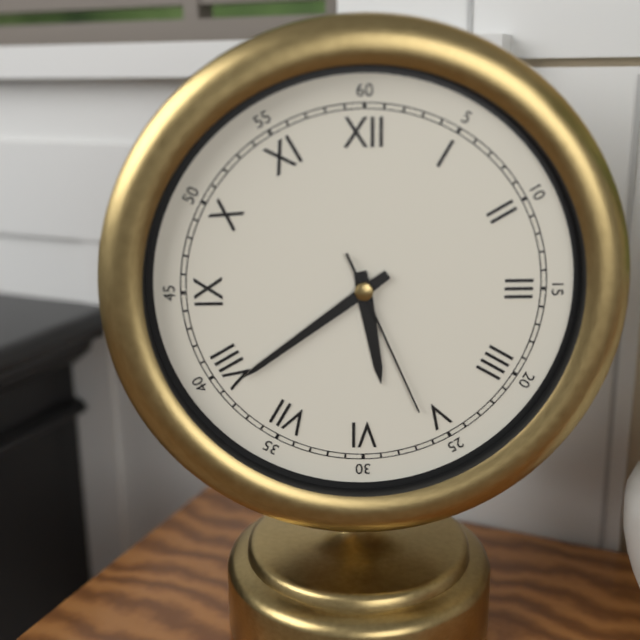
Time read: **5:39:26**
